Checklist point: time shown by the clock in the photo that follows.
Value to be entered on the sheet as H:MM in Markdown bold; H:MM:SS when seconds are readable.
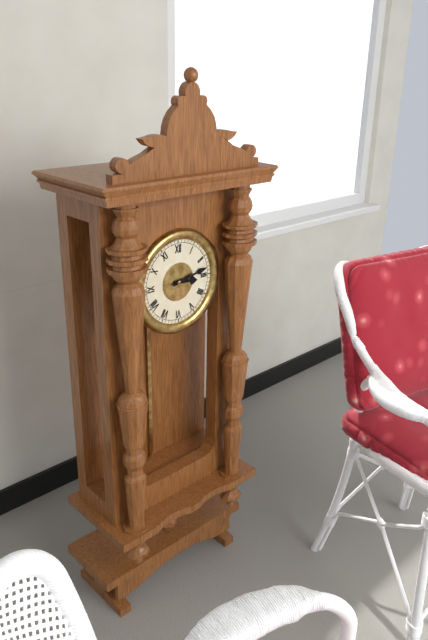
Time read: **3:13**
